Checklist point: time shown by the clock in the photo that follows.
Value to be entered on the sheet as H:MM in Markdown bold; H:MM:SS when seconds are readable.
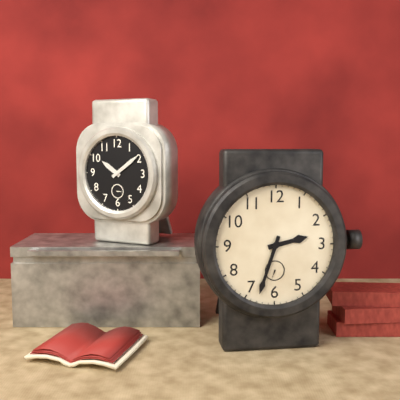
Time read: **2:33**
